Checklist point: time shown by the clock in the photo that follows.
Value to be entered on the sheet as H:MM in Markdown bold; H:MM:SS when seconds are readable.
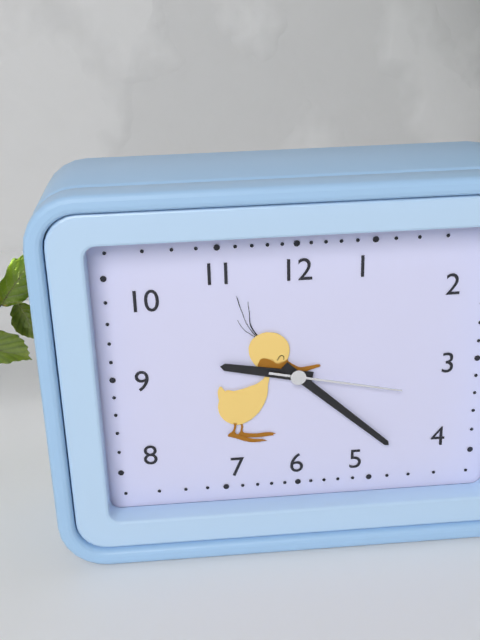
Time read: **9:22:17**
